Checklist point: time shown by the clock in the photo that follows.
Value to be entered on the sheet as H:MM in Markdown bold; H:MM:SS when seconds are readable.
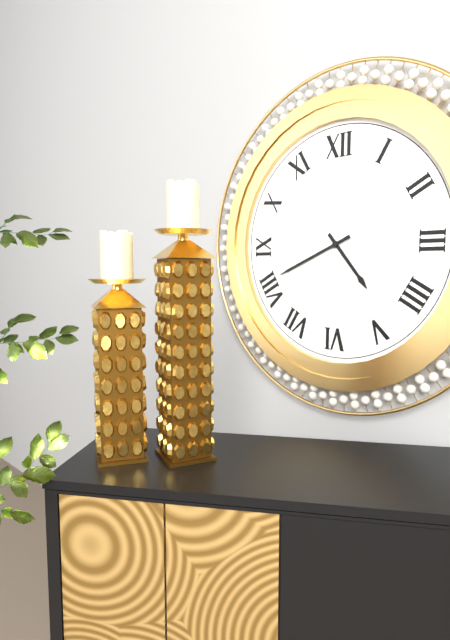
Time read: **4:41**
